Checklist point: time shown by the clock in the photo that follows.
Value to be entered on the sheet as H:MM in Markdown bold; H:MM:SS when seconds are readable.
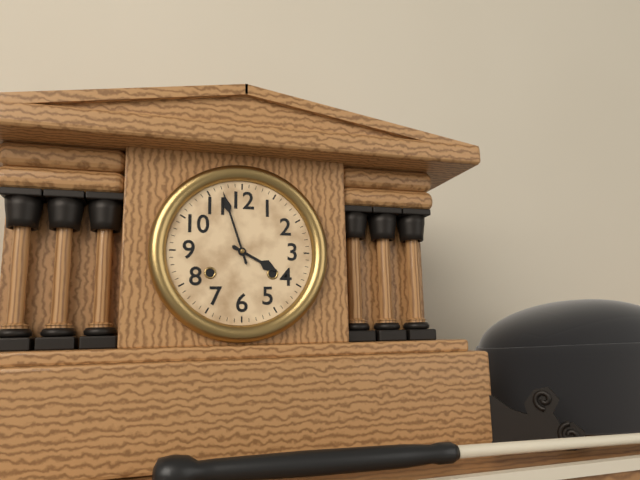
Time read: **3:57**
